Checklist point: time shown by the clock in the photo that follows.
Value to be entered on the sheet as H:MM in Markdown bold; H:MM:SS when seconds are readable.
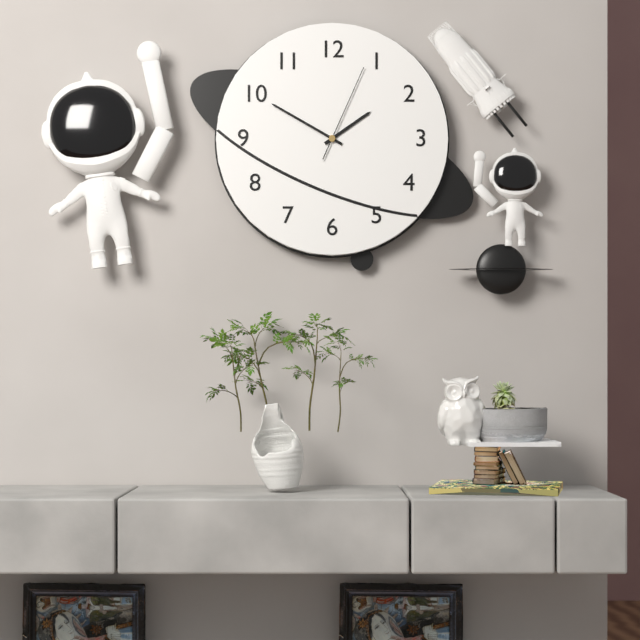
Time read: **1:50:04**
